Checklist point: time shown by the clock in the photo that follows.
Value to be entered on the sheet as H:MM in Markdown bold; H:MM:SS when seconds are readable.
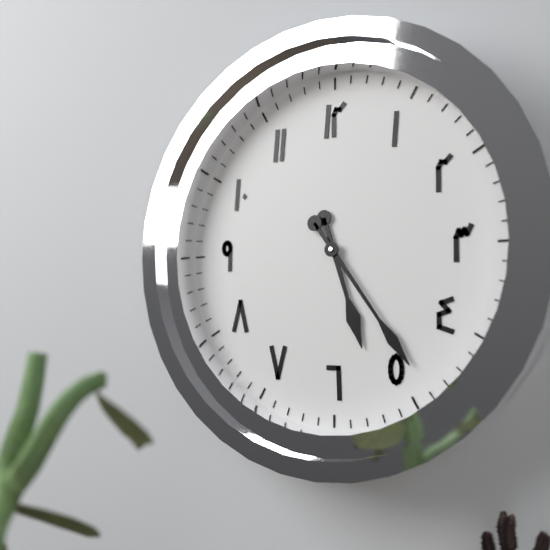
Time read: **5:24**
